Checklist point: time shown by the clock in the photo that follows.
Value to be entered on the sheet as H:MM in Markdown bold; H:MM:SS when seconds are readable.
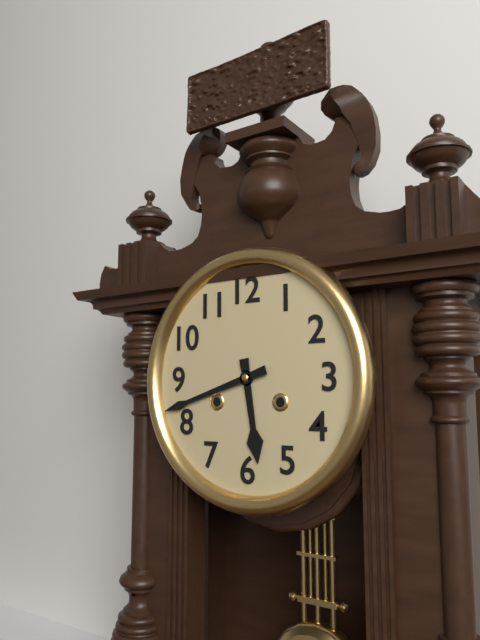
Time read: **5:42**
